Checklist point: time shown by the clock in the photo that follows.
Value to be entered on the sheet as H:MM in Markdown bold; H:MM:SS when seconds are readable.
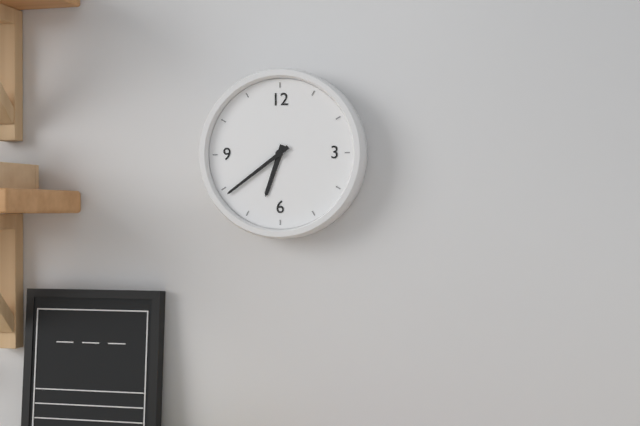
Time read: **6:39**
